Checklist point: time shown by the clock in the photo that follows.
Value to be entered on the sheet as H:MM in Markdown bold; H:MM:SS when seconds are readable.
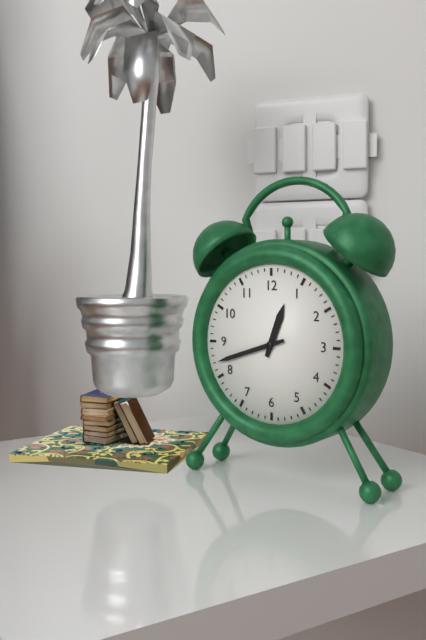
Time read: **12:42**
